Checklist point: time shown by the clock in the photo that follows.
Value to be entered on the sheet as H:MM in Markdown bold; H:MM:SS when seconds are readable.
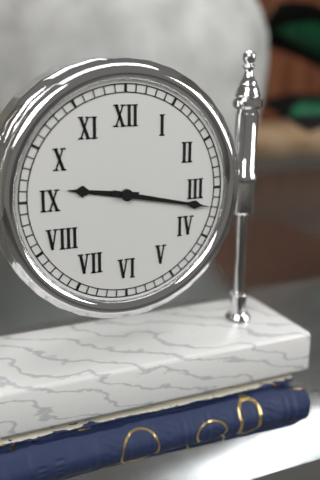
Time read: **9:17**
